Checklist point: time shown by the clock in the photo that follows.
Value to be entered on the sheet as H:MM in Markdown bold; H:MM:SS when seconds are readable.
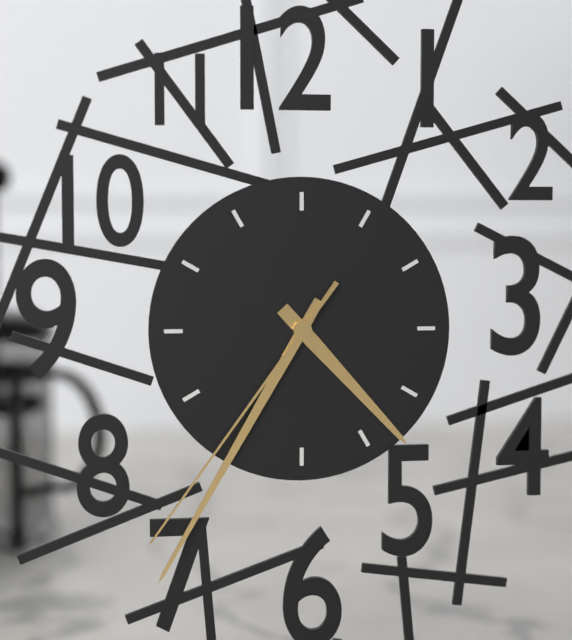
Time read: **4:35:36**
